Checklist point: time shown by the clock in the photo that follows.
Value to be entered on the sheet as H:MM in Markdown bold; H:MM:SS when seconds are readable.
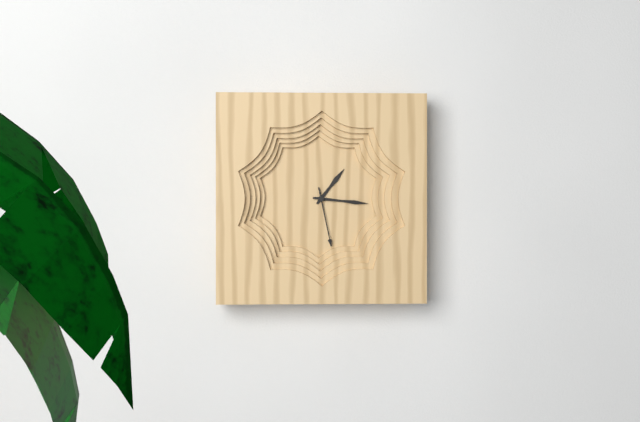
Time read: **1:16:28**
